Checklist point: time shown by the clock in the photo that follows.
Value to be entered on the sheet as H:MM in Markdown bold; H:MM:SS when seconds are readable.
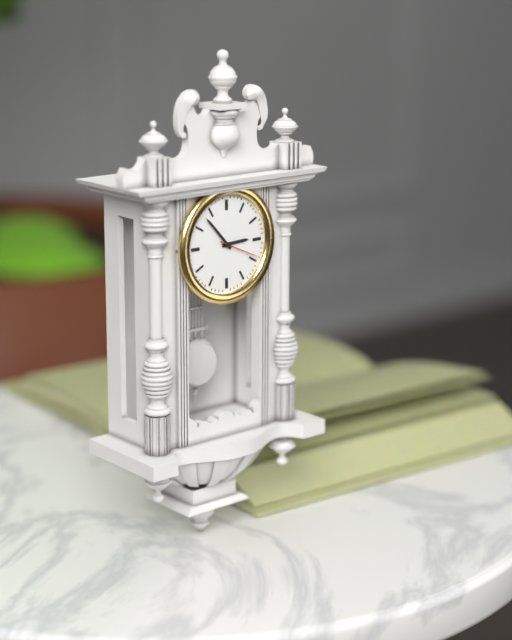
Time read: **2:53**
